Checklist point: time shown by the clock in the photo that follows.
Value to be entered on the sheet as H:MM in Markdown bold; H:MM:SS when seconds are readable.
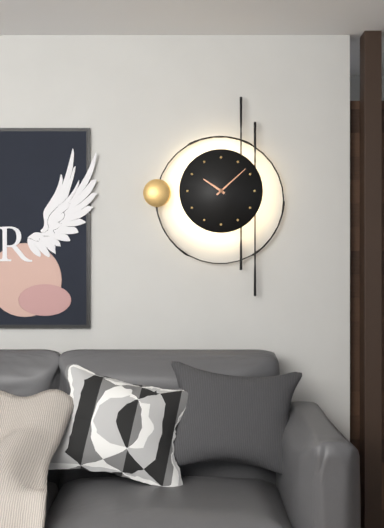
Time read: **10:08**
